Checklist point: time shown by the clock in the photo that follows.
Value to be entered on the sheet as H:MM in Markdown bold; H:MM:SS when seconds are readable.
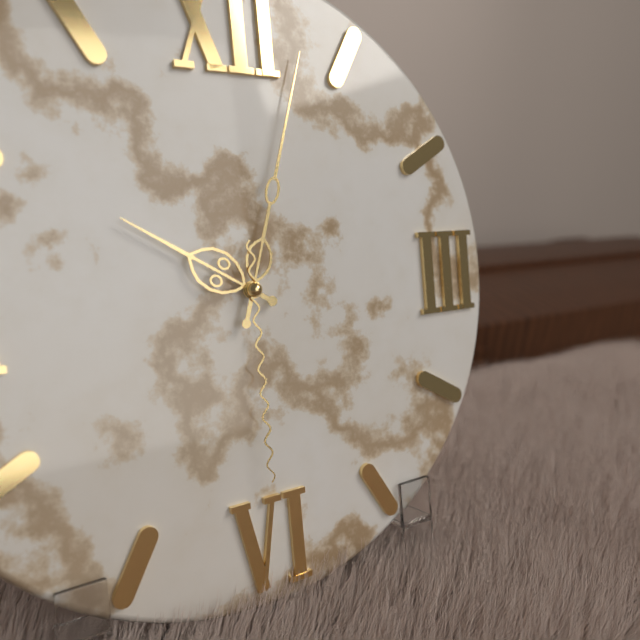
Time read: **10:03:30**
